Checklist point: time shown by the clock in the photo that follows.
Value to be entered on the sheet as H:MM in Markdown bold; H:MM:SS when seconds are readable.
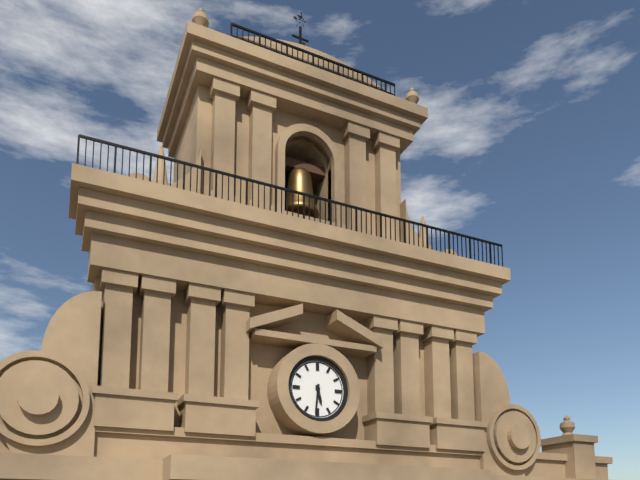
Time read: **5:31**
